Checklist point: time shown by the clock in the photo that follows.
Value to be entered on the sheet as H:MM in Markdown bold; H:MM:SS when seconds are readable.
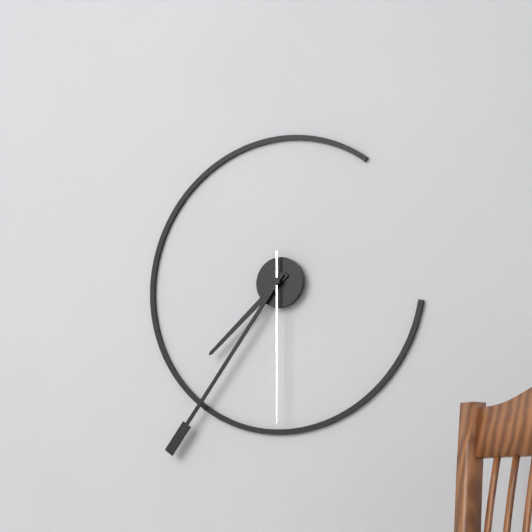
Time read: **7:36:30**
